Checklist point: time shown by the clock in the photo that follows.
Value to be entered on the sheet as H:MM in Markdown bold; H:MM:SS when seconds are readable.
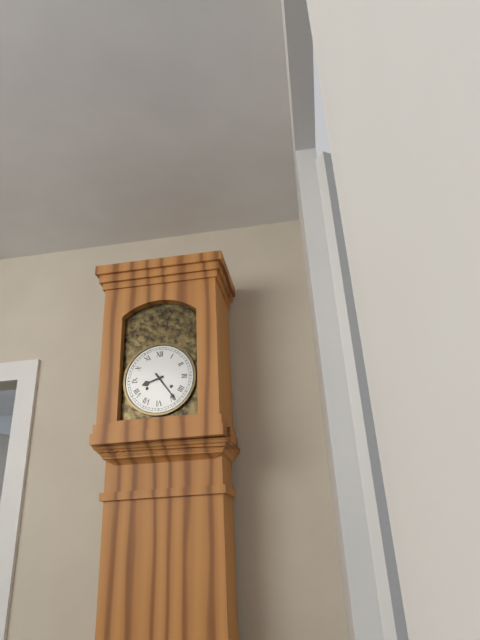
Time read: **8:24**
